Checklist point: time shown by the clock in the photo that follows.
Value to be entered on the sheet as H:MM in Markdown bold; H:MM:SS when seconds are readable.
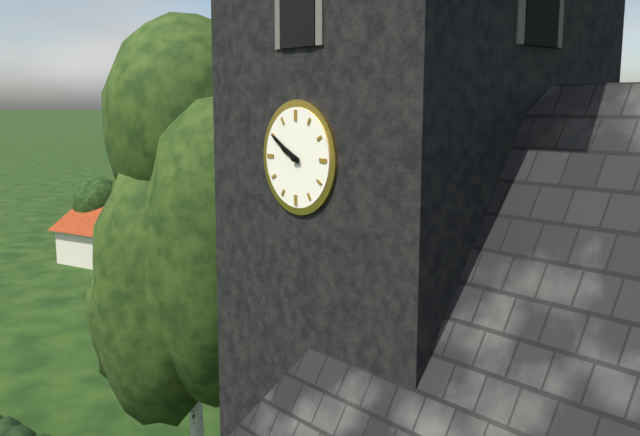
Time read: **9:50**
